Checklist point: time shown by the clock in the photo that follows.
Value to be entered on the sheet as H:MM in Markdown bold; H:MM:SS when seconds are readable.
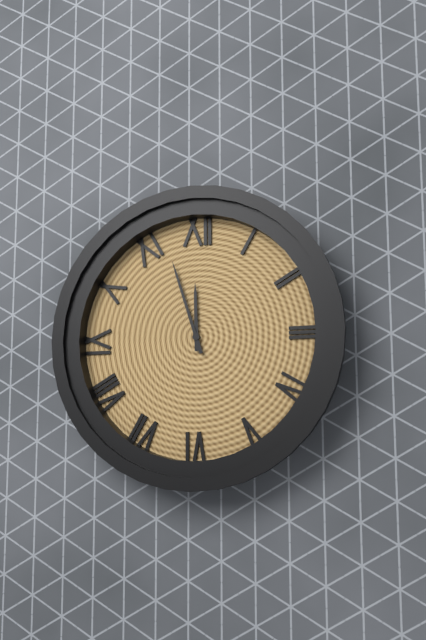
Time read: **11:57**
